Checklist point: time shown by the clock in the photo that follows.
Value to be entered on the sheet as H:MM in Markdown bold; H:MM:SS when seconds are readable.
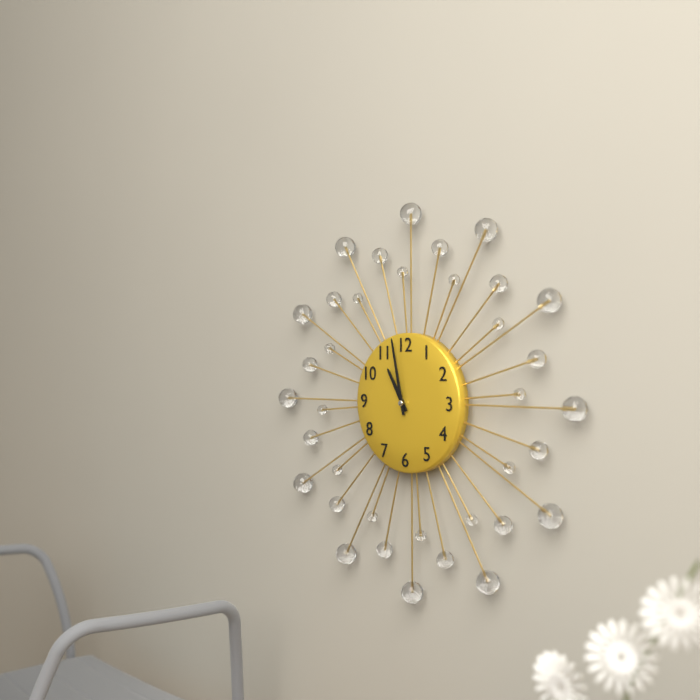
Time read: **10:58**
